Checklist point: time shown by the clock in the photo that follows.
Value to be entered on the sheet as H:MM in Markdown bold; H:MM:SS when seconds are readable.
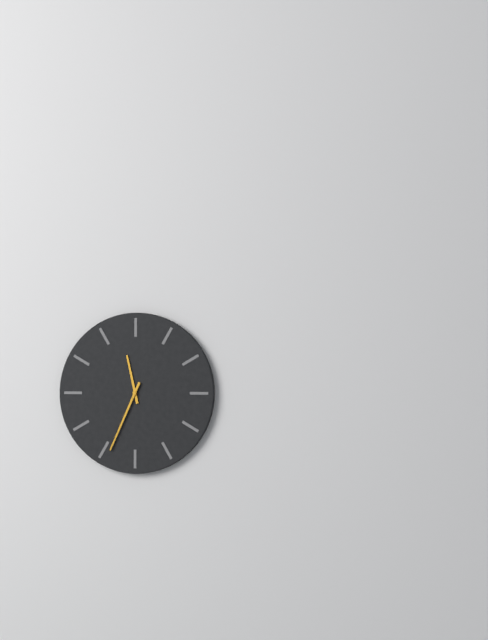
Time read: **11:34**
